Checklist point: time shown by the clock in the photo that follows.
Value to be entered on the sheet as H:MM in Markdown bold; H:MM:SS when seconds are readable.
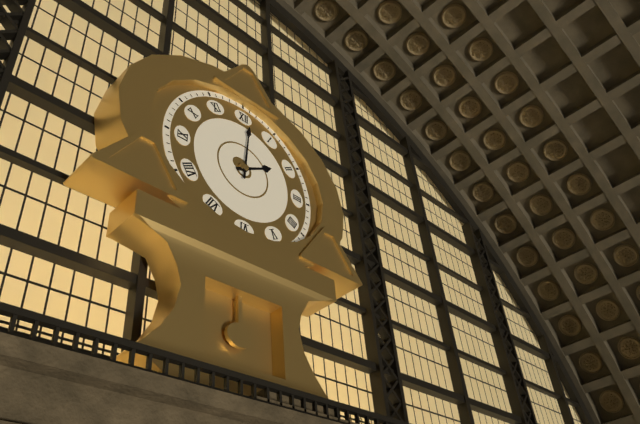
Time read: **2:01**
